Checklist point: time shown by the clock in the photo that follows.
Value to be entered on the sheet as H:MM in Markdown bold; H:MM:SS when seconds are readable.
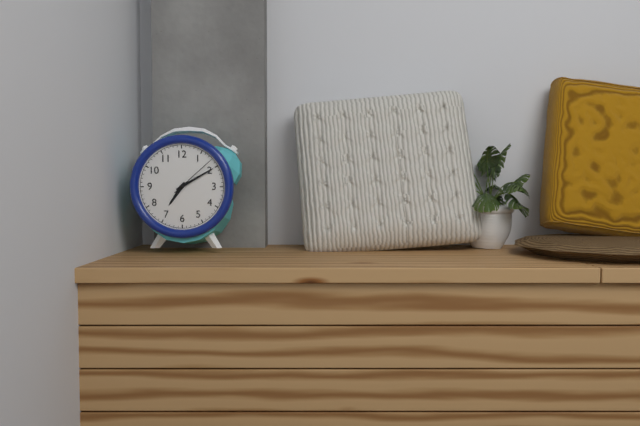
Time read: **7:10**
